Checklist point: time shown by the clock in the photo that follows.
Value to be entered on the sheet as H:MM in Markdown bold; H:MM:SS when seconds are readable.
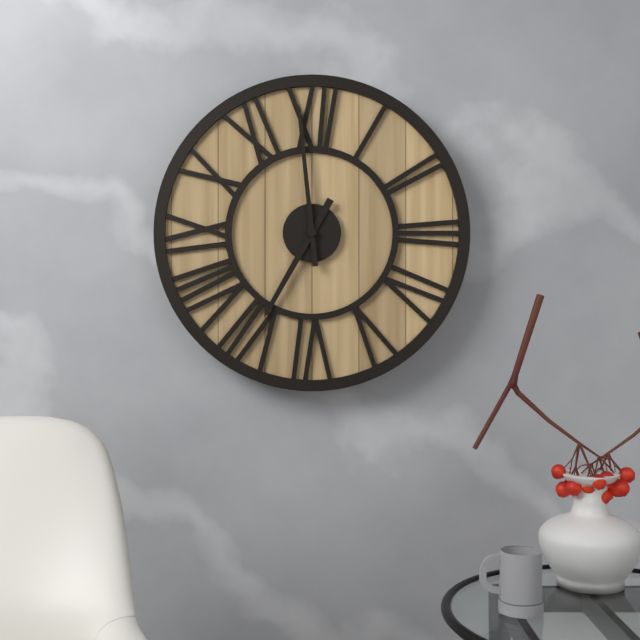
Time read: **6:59**
